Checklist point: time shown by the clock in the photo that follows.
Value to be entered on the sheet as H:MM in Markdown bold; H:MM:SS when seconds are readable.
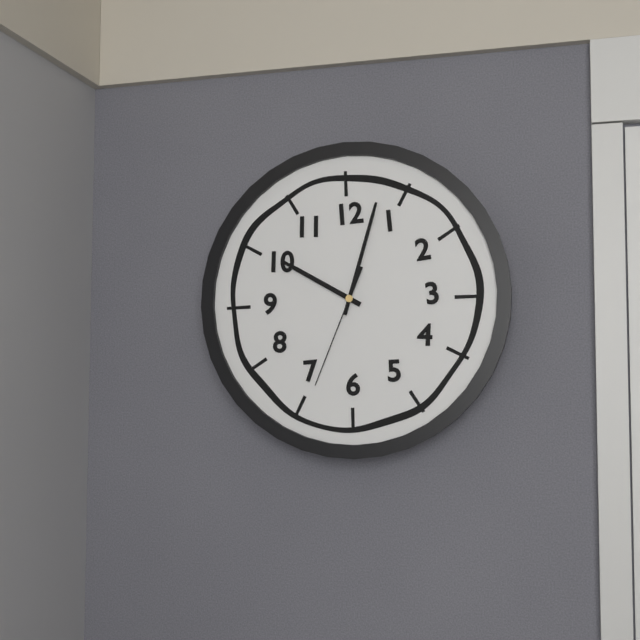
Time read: **10:03:34**
